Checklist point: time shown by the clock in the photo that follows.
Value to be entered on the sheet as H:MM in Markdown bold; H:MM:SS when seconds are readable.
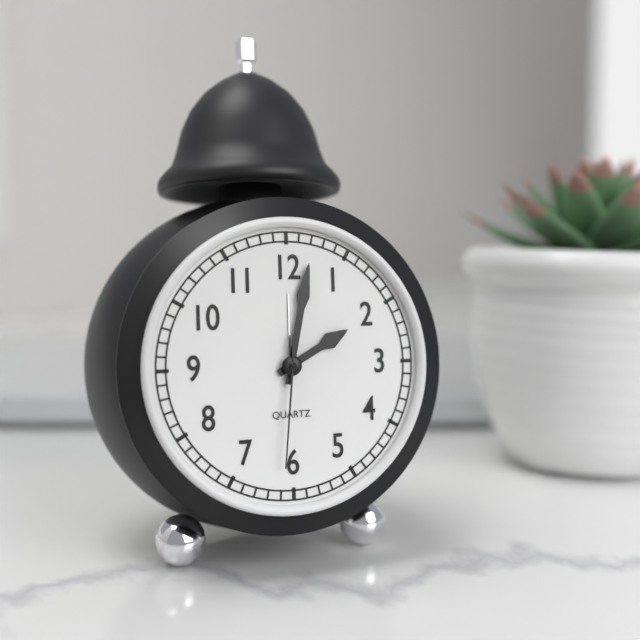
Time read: **2:02:31**
